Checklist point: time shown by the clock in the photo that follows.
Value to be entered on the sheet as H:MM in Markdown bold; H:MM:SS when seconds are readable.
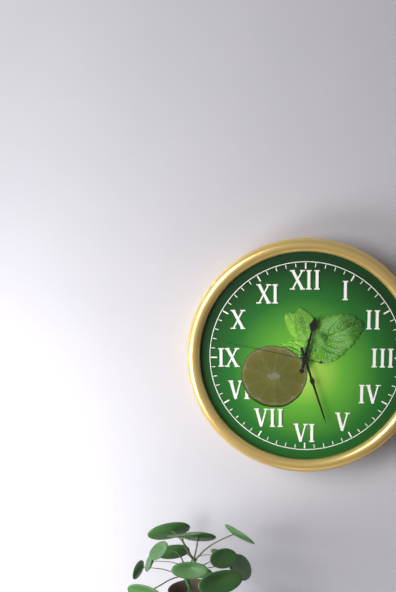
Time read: **12:27:47**
